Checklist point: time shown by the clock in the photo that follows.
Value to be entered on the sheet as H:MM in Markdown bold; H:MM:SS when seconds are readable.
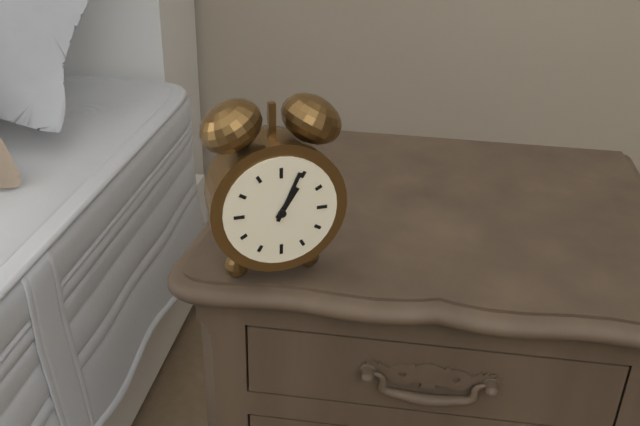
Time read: **1:04**
